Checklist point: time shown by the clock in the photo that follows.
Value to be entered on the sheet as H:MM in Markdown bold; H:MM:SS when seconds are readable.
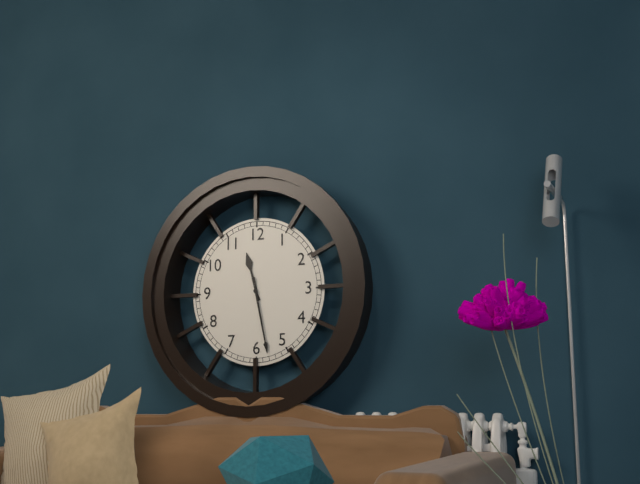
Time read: **11:28**
